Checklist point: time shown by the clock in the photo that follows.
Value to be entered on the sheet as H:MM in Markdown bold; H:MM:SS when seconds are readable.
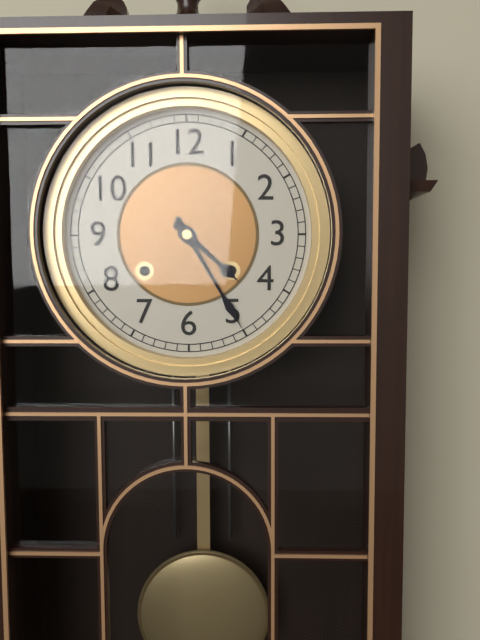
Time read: **4:25**
